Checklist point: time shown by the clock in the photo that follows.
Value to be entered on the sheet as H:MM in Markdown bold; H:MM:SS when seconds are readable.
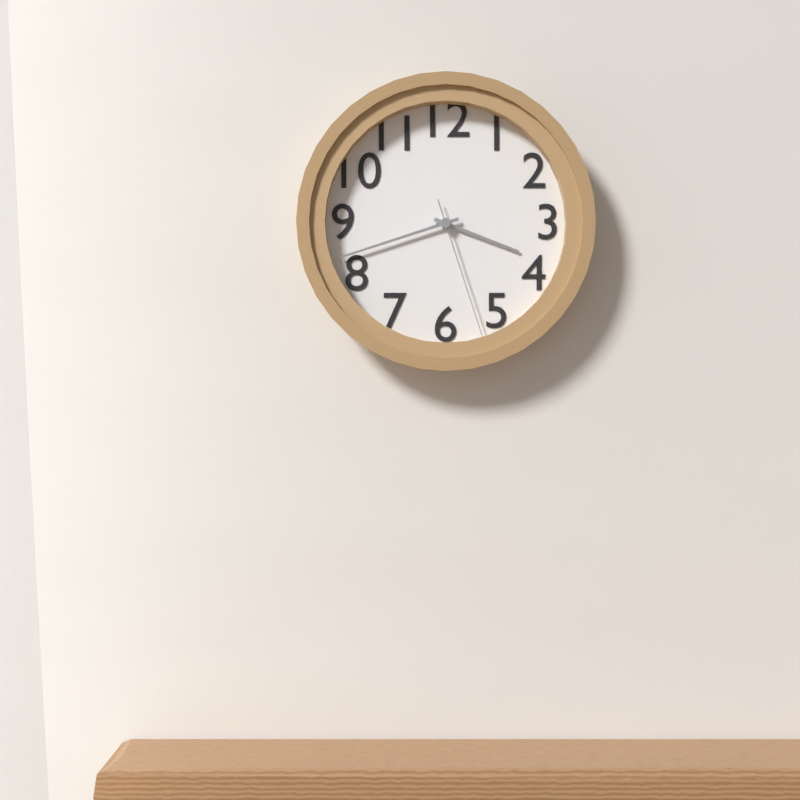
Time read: **3:42:27**
